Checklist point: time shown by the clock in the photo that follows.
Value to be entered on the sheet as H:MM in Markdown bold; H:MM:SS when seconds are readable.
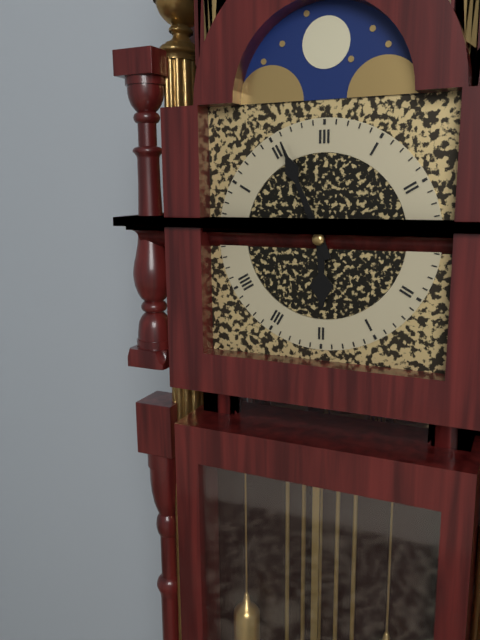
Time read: **5:56**
